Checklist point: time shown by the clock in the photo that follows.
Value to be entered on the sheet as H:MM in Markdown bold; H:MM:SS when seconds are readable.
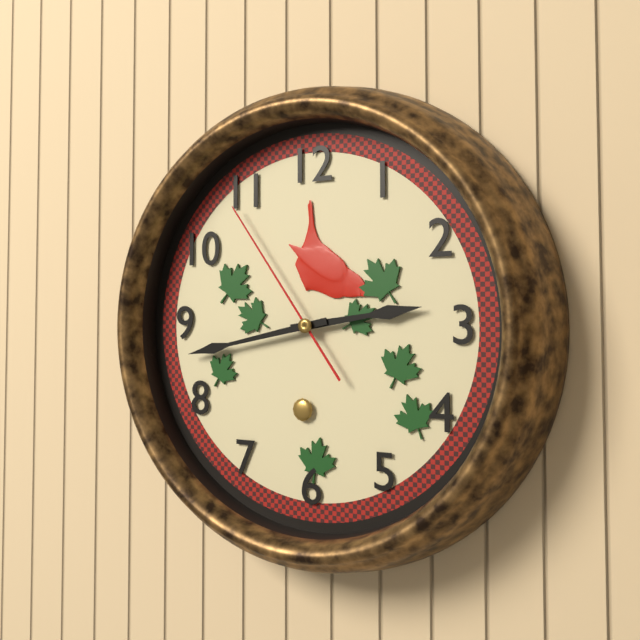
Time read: **2:43:54**
